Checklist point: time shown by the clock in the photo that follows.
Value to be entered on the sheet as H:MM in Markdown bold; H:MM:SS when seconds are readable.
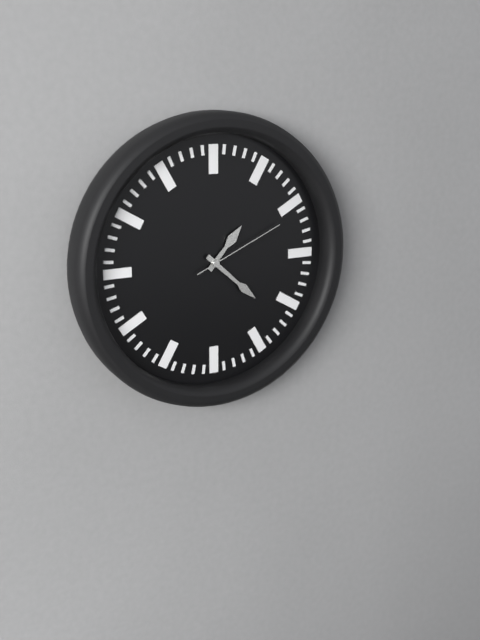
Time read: **1:22:11**
